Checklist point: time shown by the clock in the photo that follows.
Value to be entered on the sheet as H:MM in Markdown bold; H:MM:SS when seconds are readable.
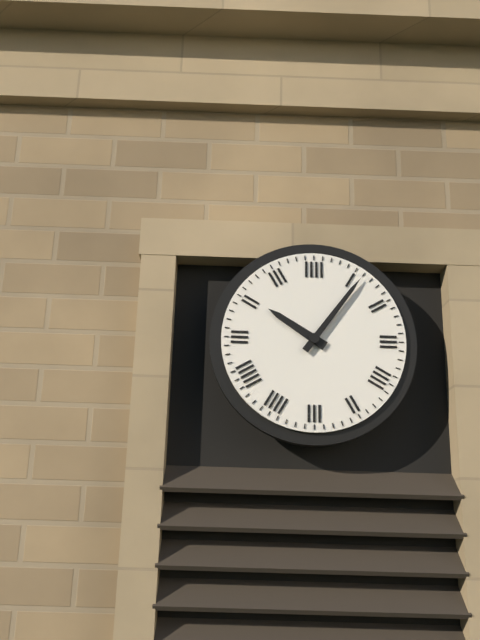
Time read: **10:06**
